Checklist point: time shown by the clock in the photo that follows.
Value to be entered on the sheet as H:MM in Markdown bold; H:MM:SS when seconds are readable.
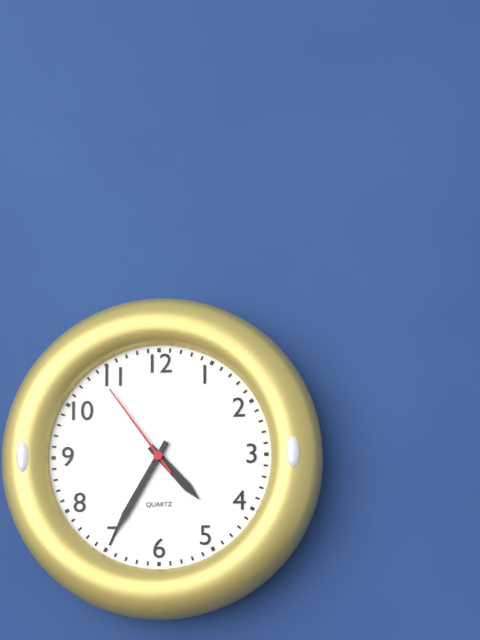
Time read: **4:35:54**
